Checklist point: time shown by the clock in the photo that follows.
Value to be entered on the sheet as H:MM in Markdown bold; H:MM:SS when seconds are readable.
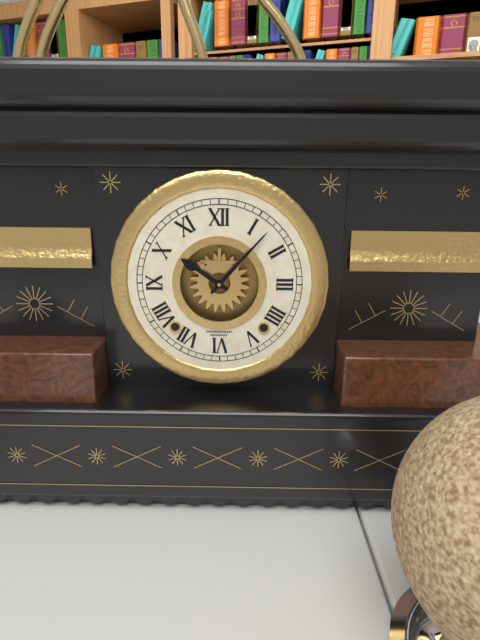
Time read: **10:07**
